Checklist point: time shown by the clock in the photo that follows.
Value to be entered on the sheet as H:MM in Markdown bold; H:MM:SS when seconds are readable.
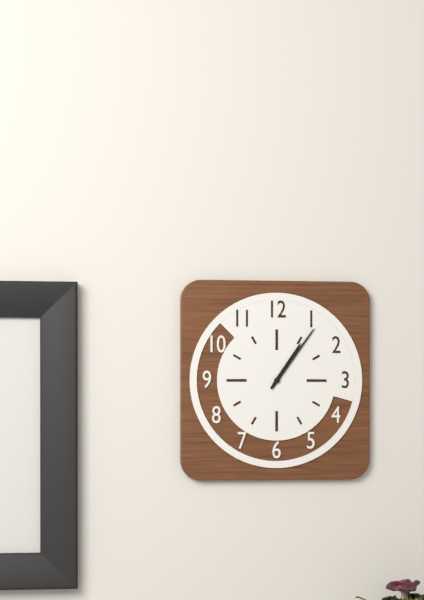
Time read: **1:06**
